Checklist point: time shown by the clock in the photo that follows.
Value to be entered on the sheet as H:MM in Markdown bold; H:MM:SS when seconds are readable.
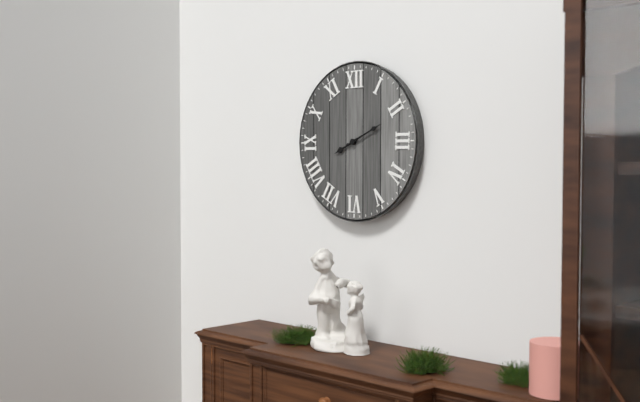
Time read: **8:11**
